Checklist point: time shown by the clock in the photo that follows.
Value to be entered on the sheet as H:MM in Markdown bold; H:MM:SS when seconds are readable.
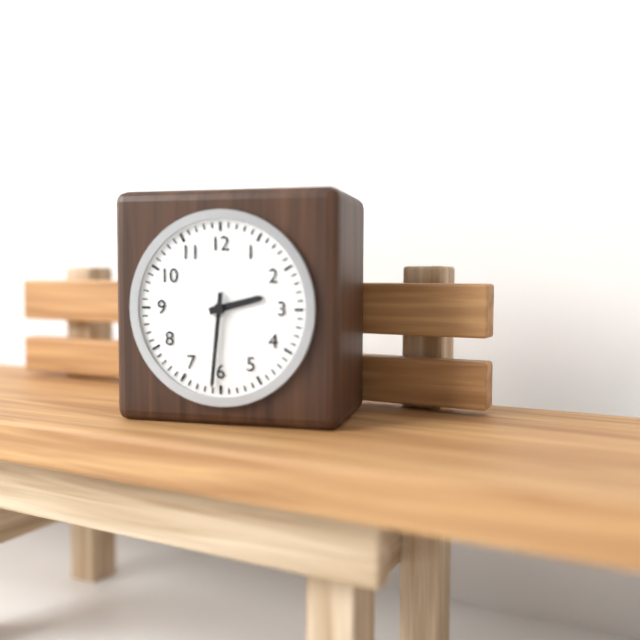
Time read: **2:31**
